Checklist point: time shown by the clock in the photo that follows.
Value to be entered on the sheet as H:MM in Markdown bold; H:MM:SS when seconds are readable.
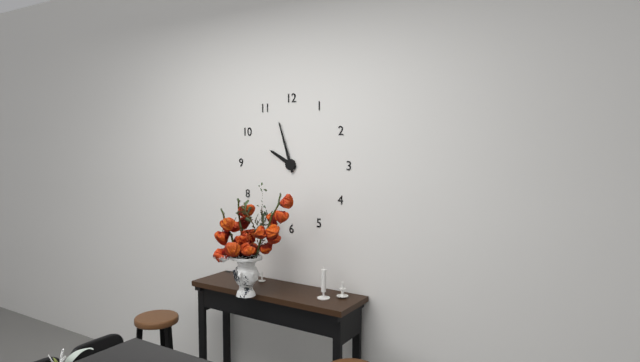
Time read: **9:57**
